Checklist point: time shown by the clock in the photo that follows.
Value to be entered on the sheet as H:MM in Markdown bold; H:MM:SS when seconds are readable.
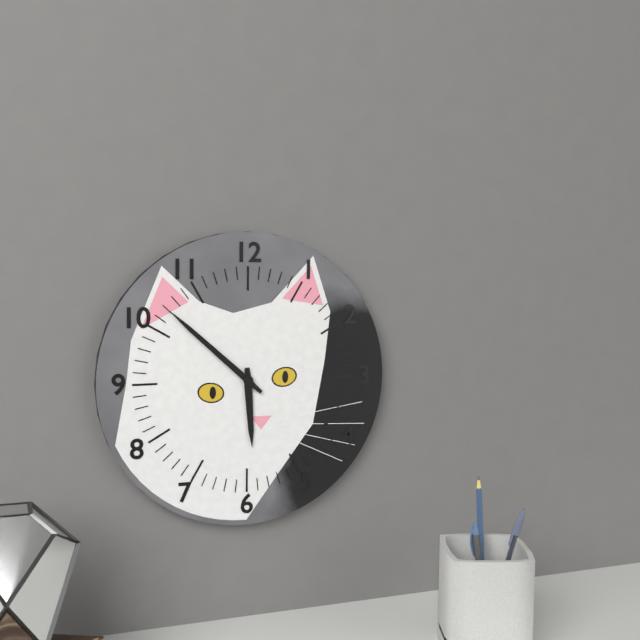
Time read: **5:52**
